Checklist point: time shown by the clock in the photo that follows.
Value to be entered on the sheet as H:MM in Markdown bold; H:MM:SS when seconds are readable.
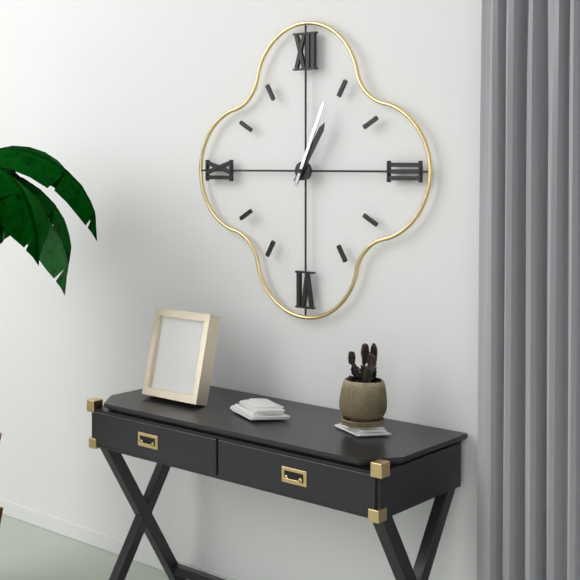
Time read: **1:04**
